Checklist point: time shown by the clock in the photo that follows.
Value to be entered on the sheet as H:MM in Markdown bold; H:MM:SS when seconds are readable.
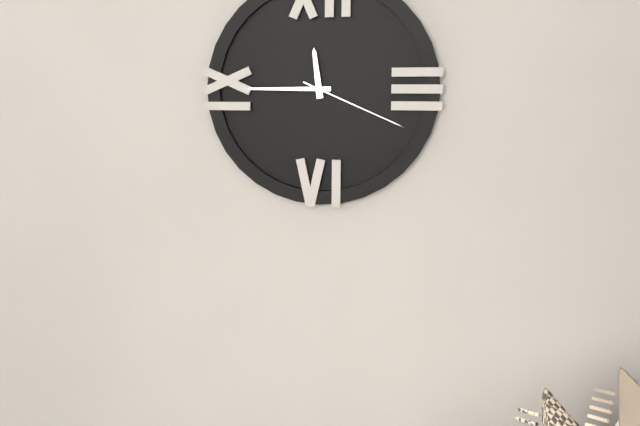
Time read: **11:45:19**
